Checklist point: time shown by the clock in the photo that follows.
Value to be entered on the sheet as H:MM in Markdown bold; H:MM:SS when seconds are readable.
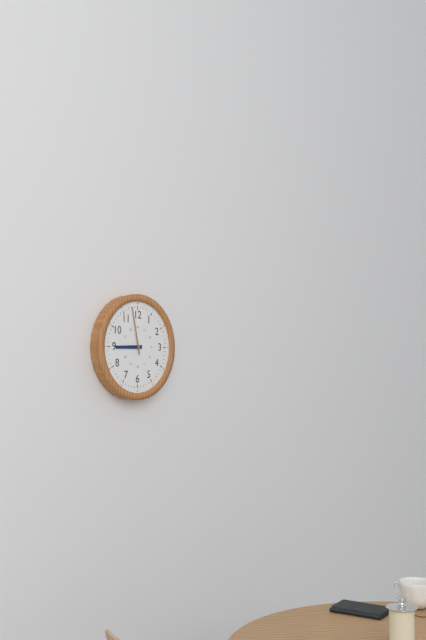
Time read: **8:58**
